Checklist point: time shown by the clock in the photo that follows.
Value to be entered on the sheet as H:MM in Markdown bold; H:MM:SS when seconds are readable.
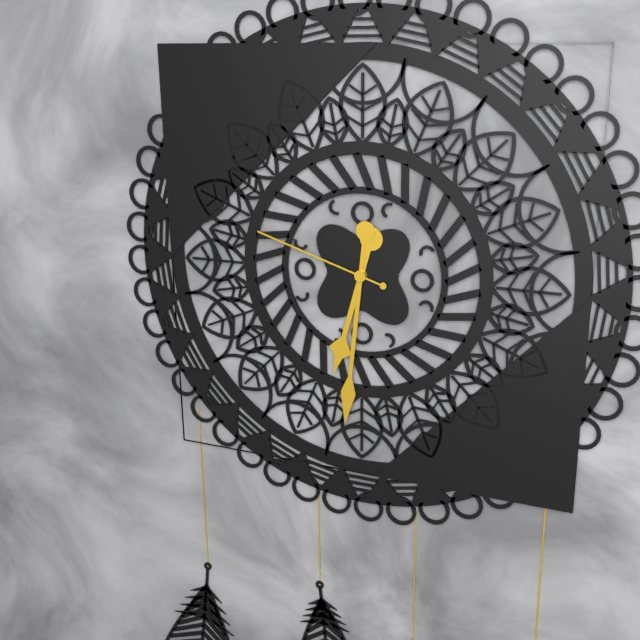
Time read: **6:31:48**
